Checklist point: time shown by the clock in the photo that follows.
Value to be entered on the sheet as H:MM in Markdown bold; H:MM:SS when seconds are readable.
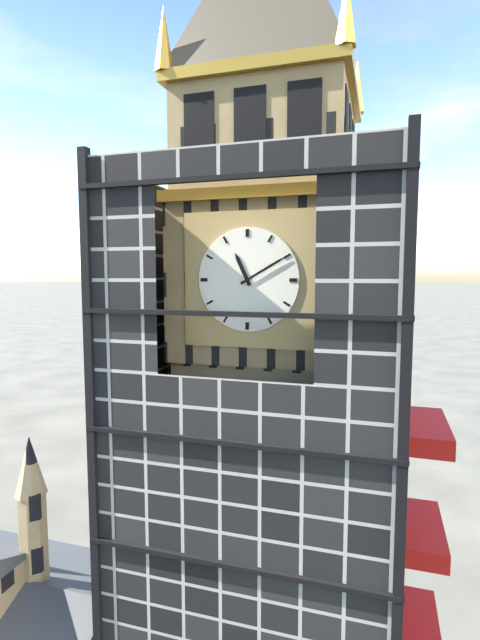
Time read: **11:10**
